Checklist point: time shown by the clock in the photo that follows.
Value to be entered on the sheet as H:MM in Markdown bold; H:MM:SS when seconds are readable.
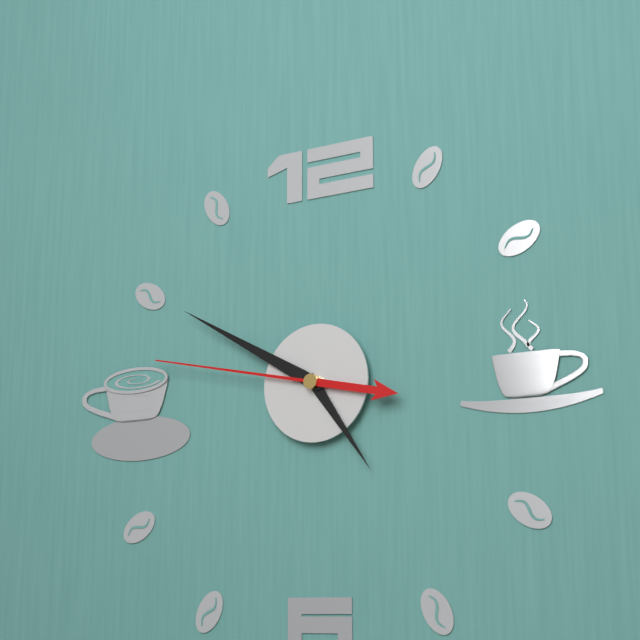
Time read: **4:50:47**
